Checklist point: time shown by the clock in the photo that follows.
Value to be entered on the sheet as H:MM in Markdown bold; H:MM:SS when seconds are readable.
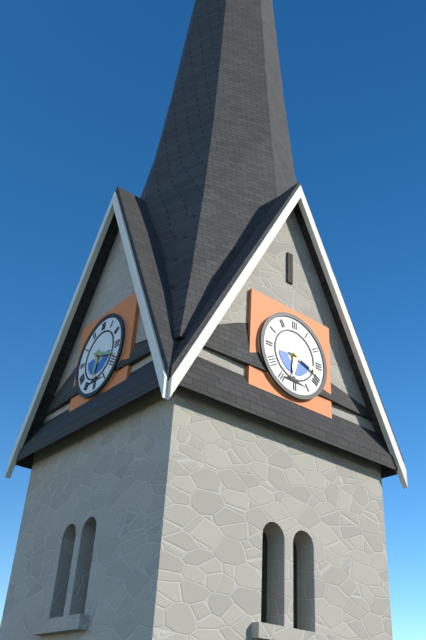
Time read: **6:18**
